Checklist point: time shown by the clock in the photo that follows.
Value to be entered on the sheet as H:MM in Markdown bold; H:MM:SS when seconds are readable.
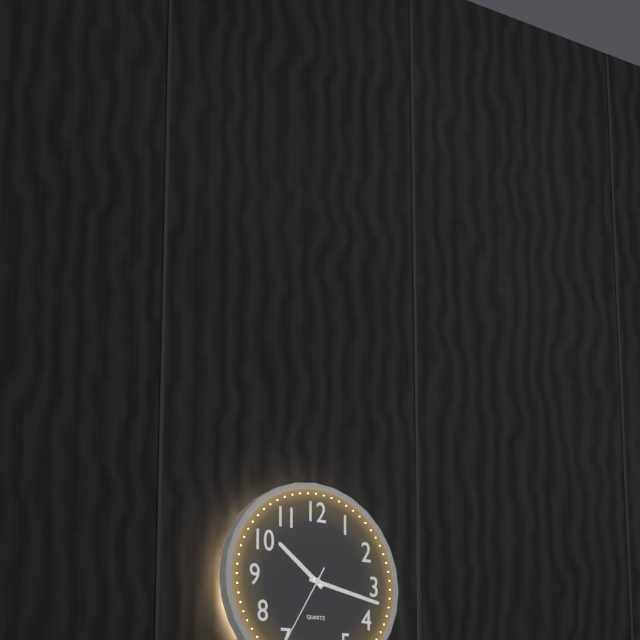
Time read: **10:17:35**
